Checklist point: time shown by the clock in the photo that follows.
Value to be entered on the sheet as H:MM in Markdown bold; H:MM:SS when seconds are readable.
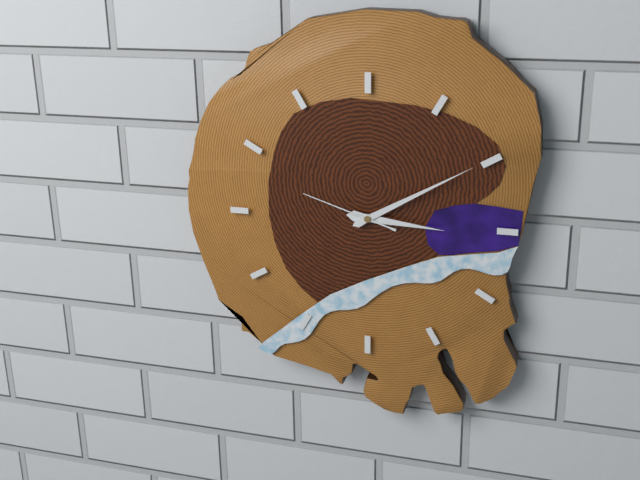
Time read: **3:10:48**
